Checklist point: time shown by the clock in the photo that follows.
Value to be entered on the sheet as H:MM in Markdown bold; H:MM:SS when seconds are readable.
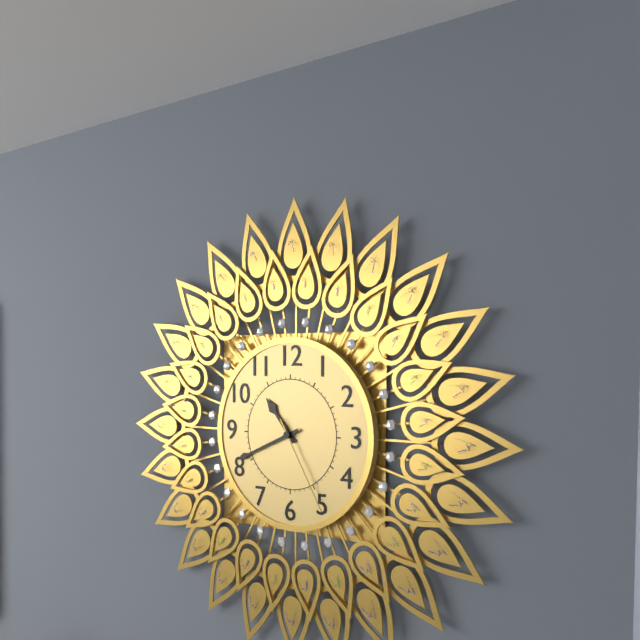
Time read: **10:41:25**
